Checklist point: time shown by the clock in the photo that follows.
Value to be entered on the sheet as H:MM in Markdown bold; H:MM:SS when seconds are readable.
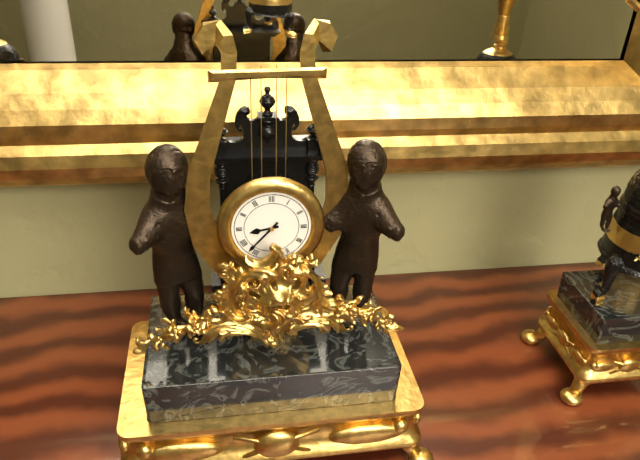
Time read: **8:37**
